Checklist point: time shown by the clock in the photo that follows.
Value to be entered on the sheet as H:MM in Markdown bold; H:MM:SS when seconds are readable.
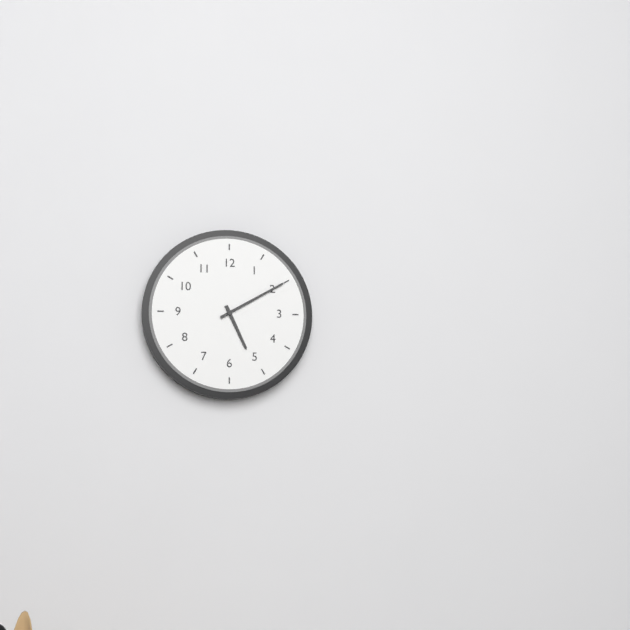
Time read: **5:10**
